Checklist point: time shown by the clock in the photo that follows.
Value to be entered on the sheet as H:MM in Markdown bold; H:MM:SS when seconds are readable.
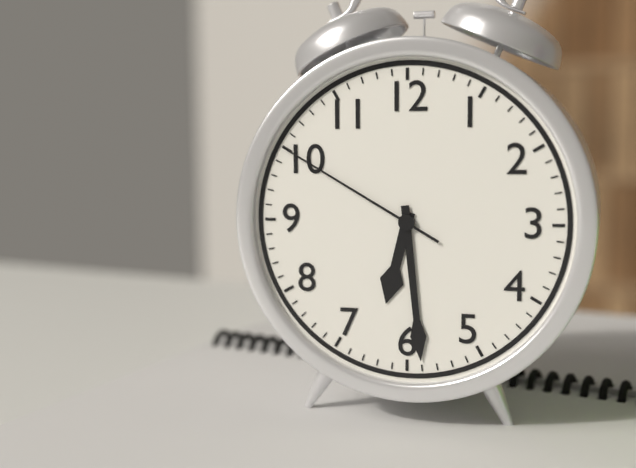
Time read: **6:29:50**
